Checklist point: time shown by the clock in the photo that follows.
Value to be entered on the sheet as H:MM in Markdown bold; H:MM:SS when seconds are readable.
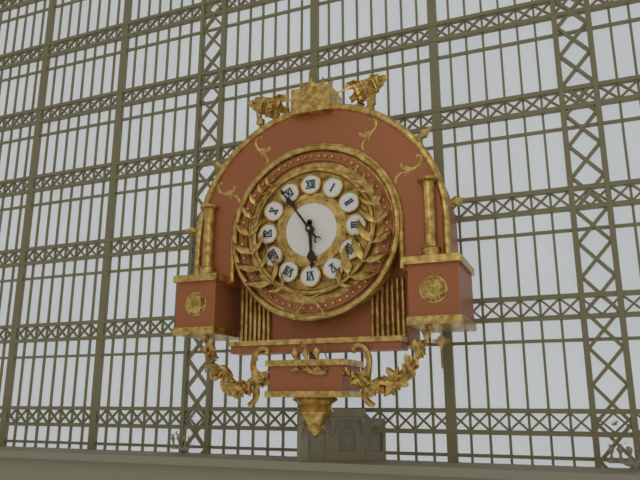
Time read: **5:54**
